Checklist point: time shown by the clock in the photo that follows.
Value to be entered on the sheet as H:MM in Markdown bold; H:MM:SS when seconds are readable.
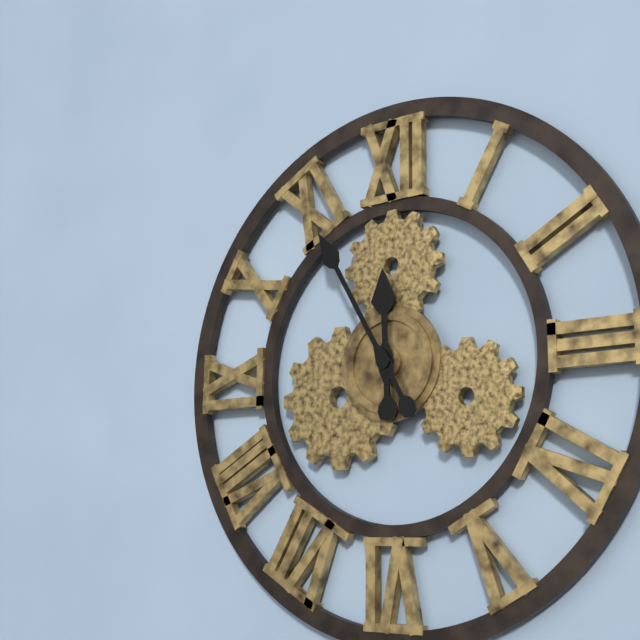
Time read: **11:55**
